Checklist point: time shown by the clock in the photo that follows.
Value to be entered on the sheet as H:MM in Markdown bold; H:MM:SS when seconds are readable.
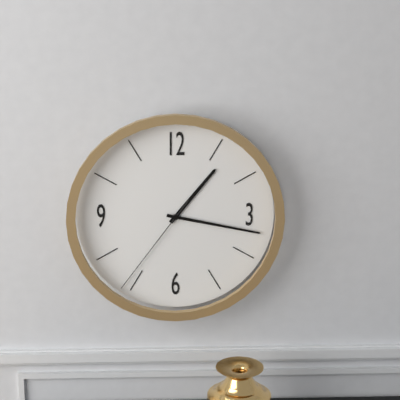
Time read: **1:17:36**
